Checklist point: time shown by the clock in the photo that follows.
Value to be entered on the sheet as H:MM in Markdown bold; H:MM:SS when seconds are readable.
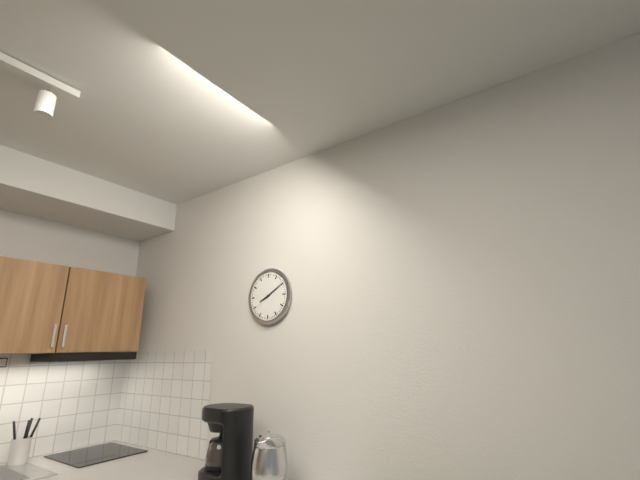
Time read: **8:10**
